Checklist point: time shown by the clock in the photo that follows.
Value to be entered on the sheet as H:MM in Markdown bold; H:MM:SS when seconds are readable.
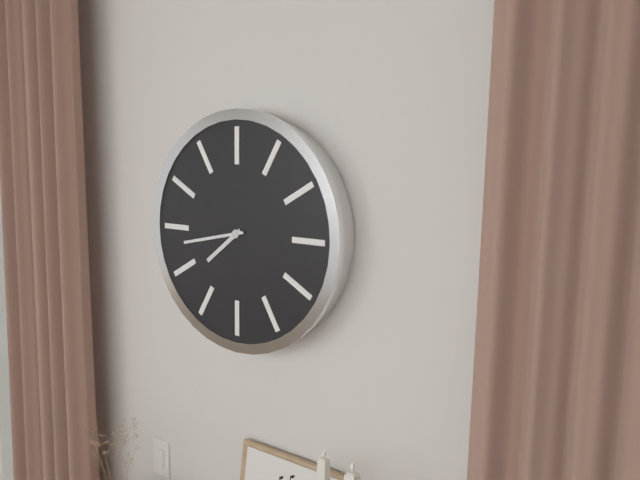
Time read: **7:43**
